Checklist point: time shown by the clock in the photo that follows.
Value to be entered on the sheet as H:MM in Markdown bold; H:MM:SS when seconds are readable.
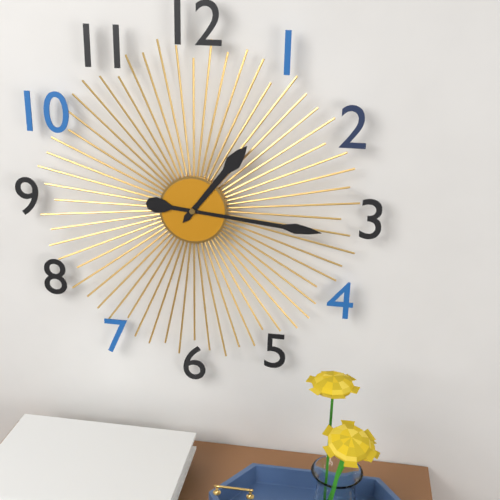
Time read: **1:16**
